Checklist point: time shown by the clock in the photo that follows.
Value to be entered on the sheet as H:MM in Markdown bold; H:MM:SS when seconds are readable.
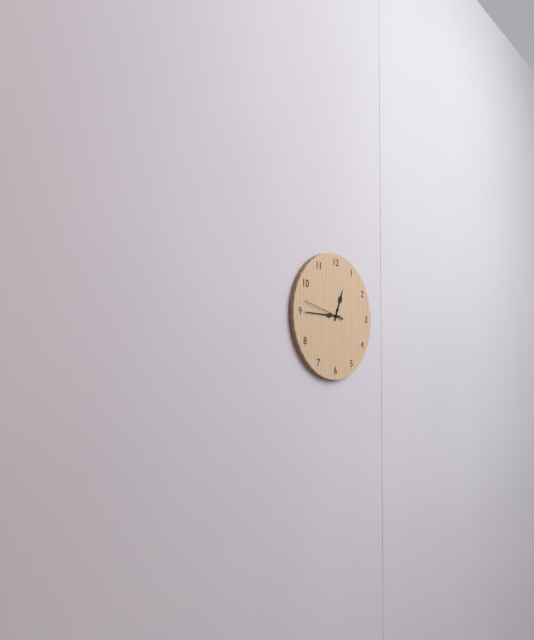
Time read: **12:45**
